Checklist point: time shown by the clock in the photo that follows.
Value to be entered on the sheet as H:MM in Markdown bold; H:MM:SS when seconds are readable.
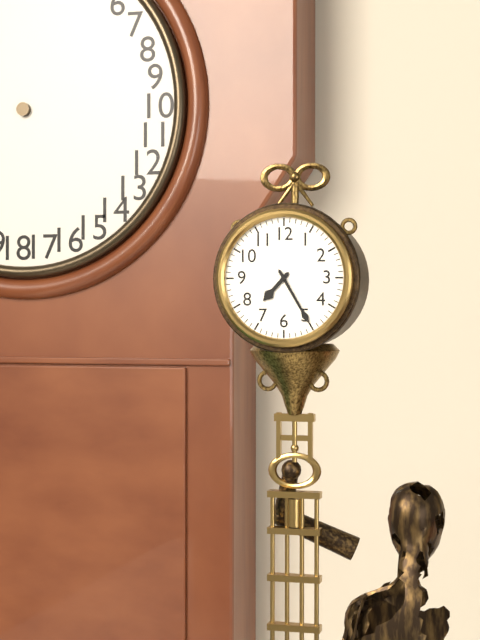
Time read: **7:25**
